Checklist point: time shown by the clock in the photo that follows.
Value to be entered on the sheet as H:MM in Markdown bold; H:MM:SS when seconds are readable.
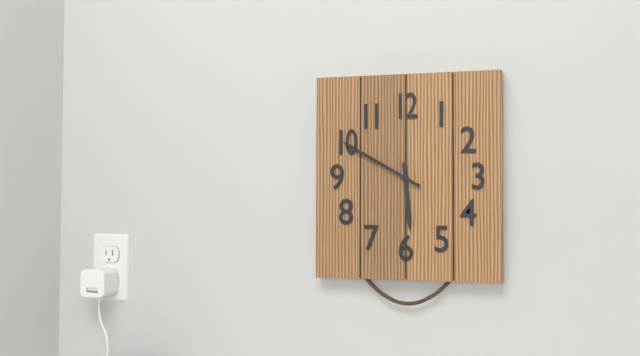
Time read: **5:50**
